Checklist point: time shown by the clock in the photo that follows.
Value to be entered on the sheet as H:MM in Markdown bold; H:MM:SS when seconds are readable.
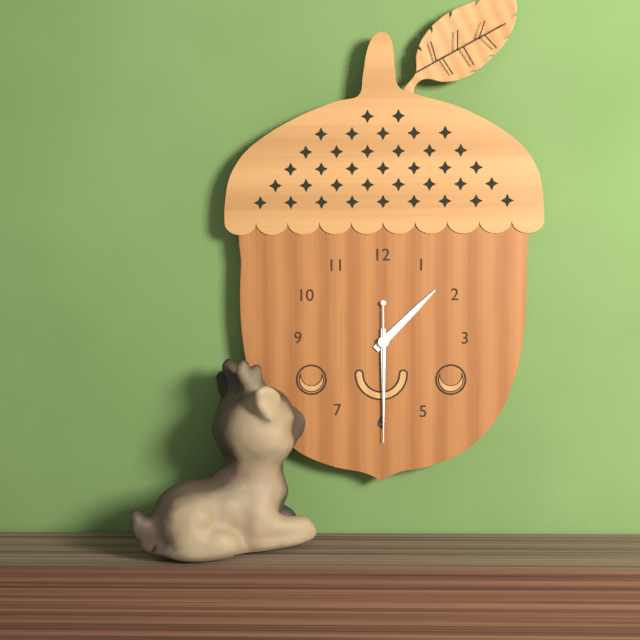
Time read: **1:30:30**
